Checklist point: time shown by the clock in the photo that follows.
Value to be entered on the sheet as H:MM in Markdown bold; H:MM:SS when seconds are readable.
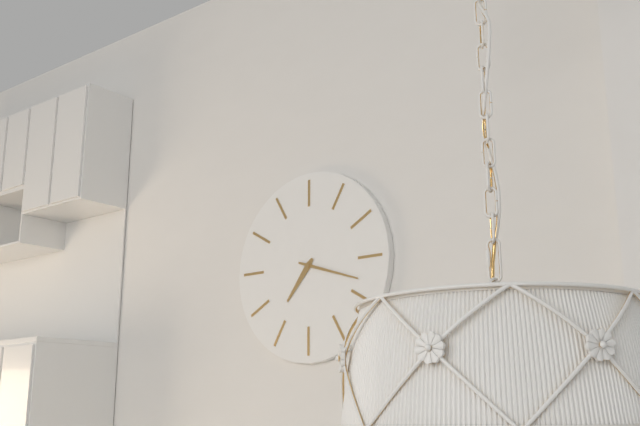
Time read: **7:18**
